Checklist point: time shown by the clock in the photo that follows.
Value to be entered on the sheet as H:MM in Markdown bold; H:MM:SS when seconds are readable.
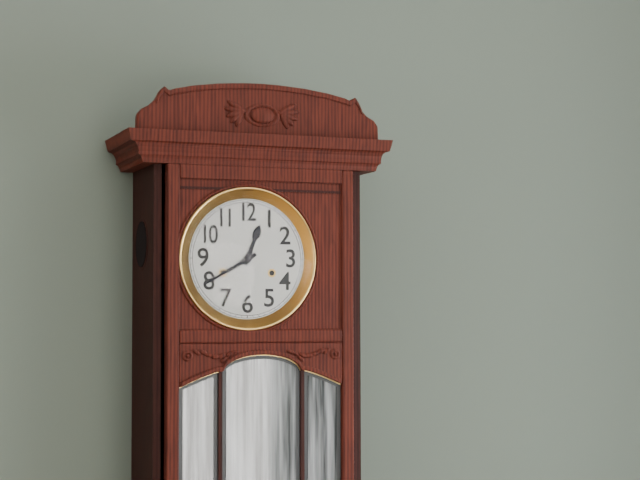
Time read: **12:40**
